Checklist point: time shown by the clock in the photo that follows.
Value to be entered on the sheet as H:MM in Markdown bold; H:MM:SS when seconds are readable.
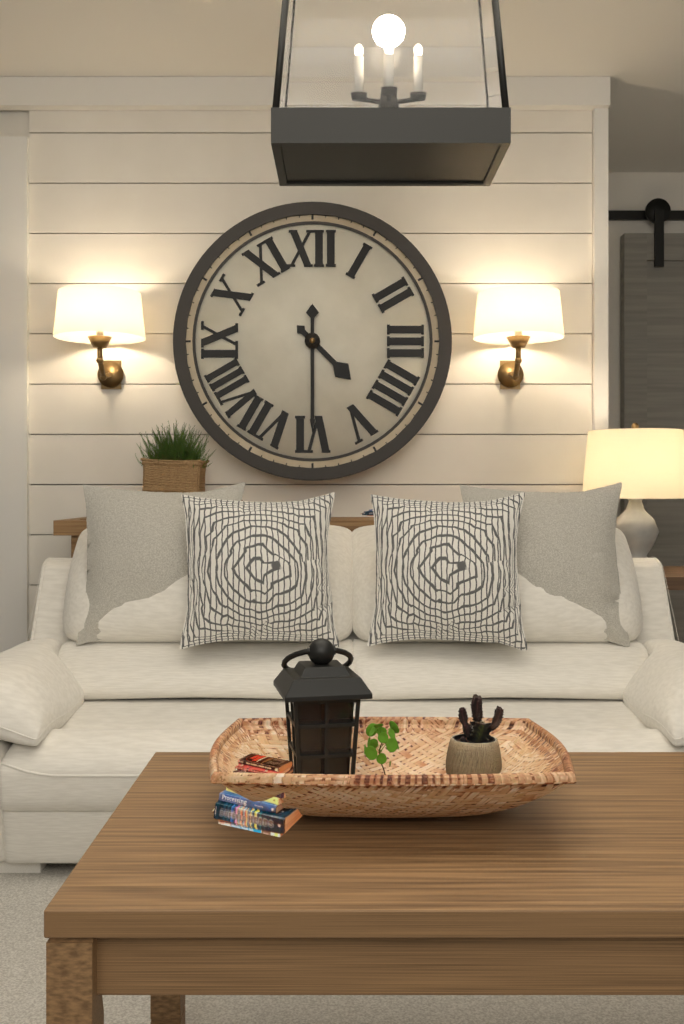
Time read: **4:30**
